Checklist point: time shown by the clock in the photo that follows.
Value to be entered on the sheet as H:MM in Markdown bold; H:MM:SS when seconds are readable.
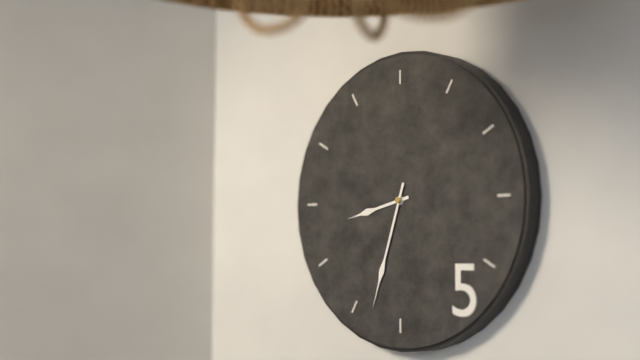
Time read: **8:33**
